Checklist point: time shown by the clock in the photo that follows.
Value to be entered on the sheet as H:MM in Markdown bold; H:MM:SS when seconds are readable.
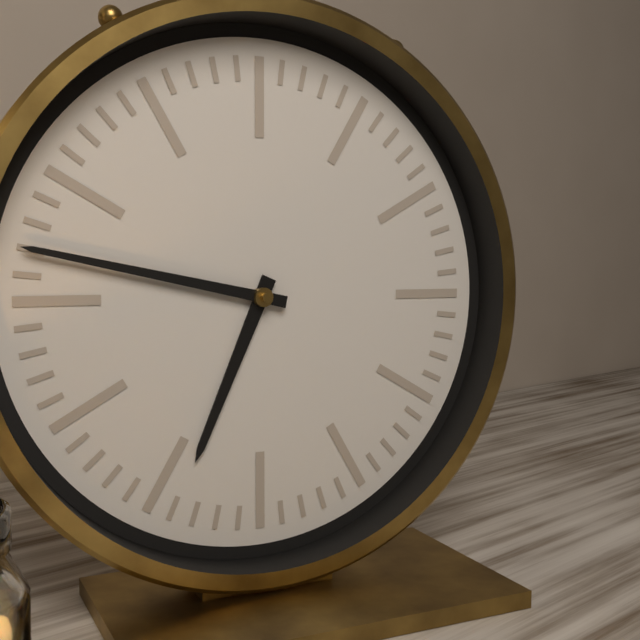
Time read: **6:47**
